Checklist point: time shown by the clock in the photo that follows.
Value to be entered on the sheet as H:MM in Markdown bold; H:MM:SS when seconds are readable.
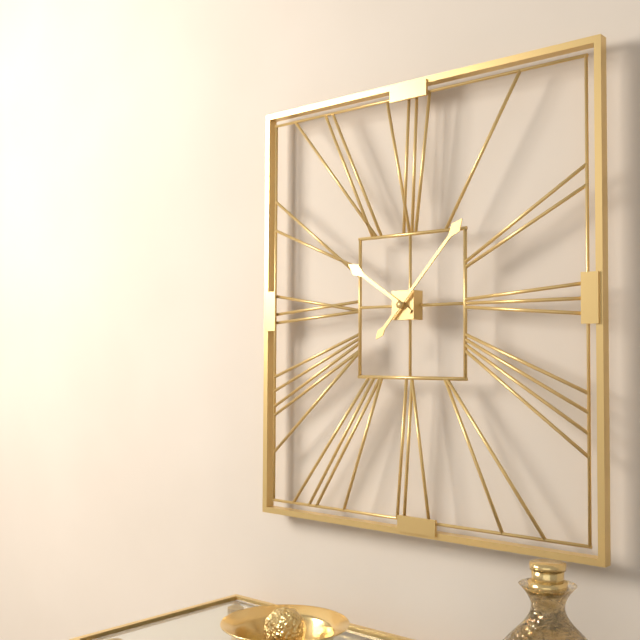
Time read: **10:07**
